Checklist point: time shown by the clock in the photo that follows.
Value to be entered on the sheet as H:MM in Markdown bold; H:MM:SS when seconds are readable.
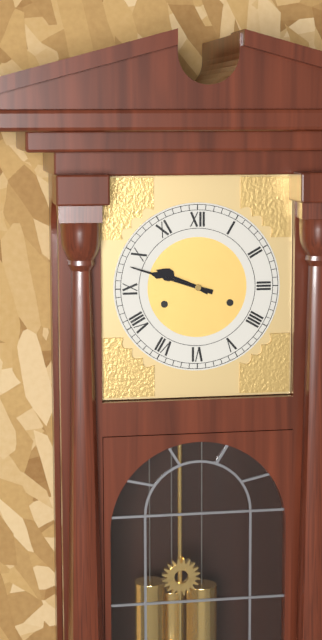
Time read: **9:48**
